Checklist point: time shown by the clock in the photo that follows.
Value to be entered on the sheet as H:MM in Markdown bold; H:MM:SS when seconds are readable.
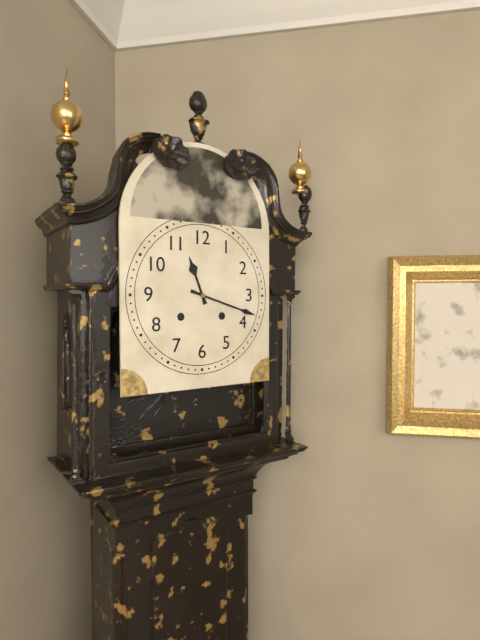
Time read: **11:18**
